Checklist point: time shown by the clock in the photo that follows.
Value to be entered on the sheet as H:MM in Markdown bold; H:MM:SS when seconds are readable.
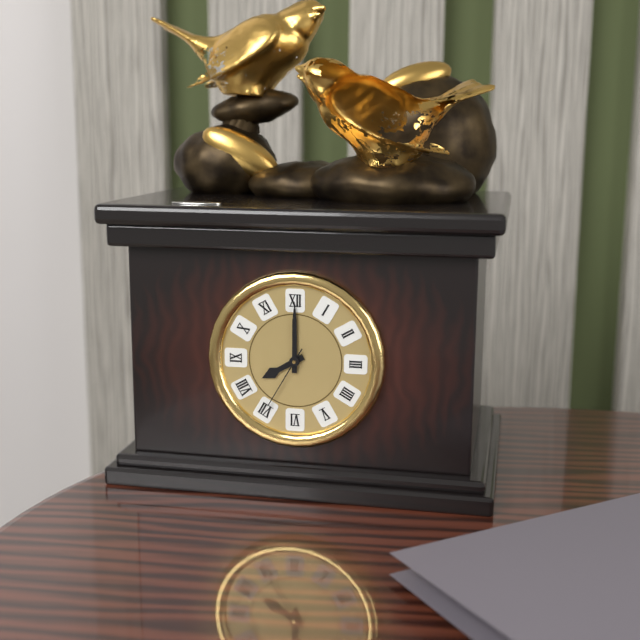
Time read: **8:00:35**
